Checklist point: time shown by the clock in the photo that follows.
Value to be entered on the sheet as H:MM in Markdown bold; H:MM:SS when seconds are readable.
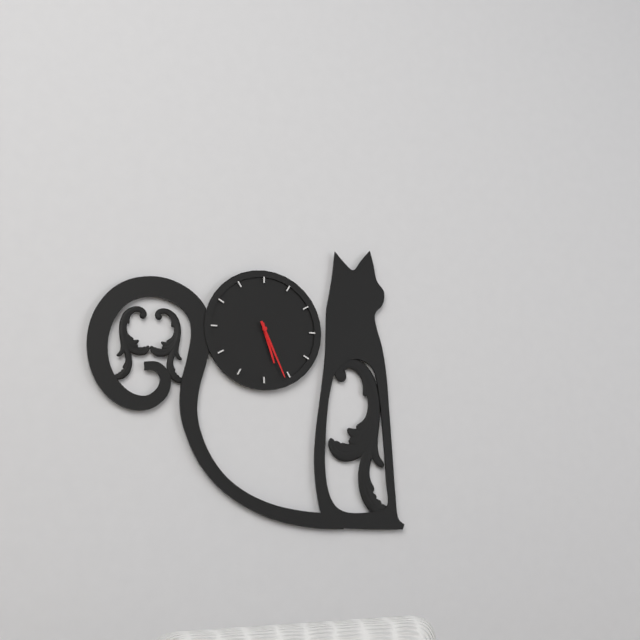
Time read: **5:26**
